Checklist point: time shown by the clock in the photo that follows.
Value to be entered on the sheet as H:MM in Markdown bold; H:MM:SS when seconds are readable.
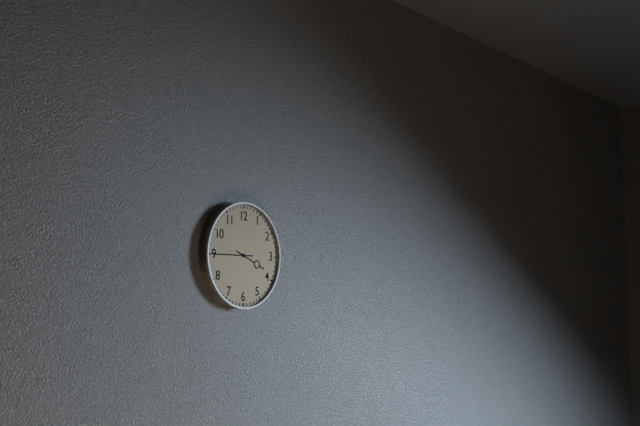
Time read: **3:45**
